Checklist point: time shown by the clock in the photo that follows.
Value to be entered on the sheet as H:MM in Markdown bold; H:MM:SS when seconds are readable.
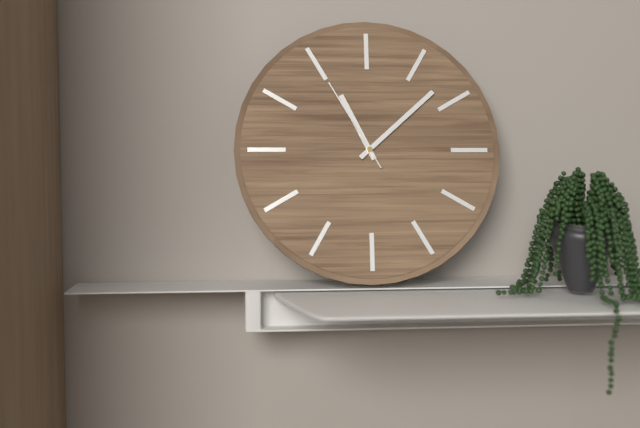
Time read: **11:08:55**
